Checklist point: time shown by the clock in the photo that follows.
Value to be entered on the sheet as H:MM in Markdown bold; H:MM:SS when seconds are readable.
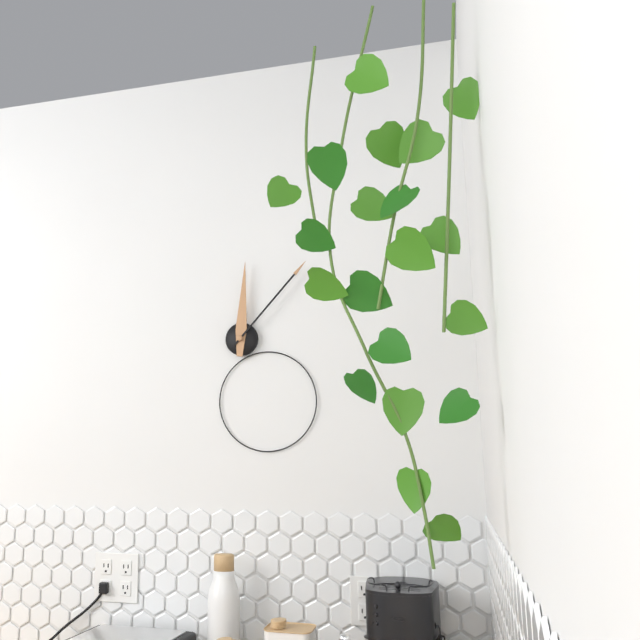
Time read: **12:07**
